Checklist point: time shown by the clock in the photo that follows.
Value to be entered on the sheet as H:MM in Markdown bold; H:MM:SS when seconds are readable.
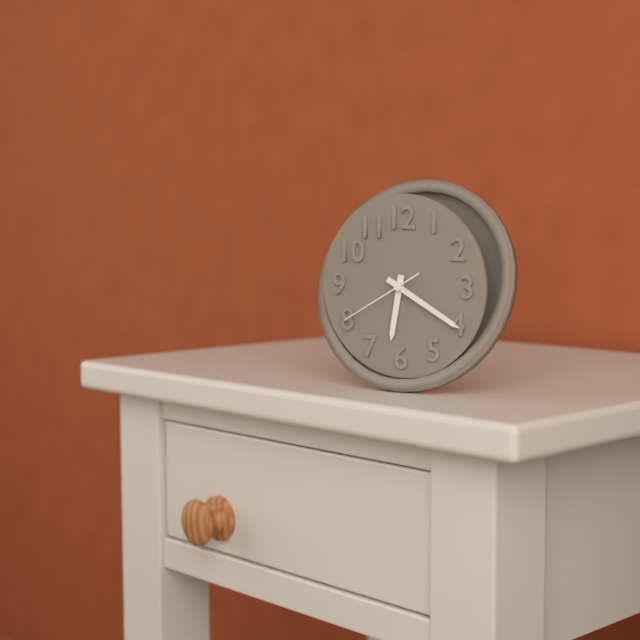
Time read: **6:20:40**
